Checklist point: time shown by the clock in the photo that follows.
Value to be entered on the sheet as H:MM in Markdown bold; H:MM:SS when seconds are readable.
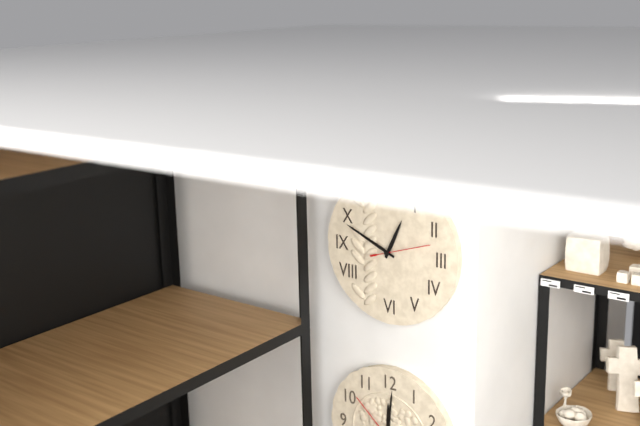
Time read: **12:49:12**
